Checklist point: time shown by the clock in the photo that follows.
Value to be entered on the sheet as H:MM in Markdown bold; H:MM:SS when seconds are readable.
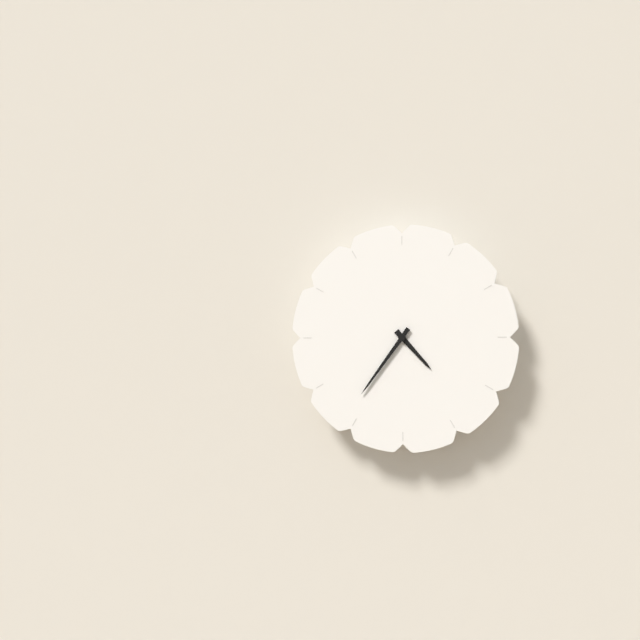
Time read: **4:36**
